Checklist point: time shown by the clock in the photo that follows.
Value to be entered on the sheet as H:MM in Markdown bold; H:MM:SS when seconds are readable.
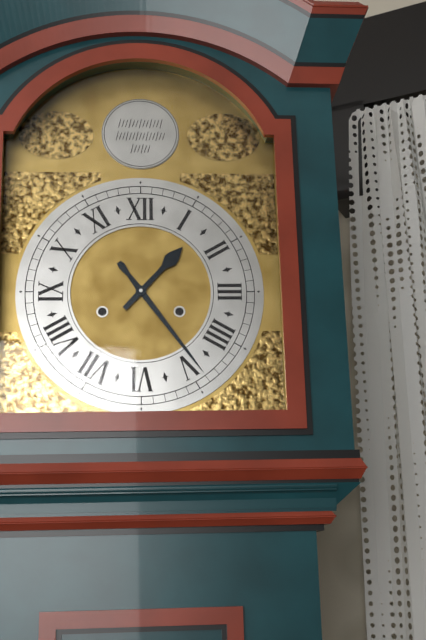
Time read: **1:24**
